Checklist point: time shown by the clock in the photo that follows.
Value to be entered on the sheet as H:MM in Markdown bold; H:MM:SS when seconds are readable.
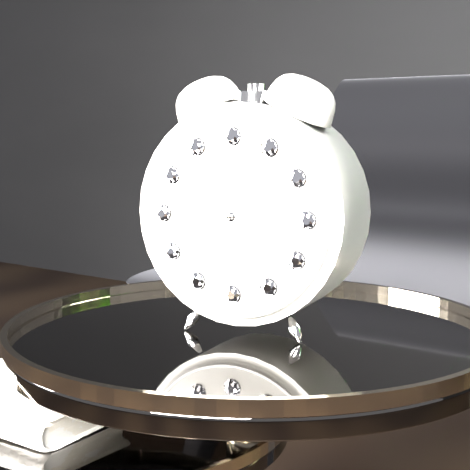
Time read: **10:26:41**
